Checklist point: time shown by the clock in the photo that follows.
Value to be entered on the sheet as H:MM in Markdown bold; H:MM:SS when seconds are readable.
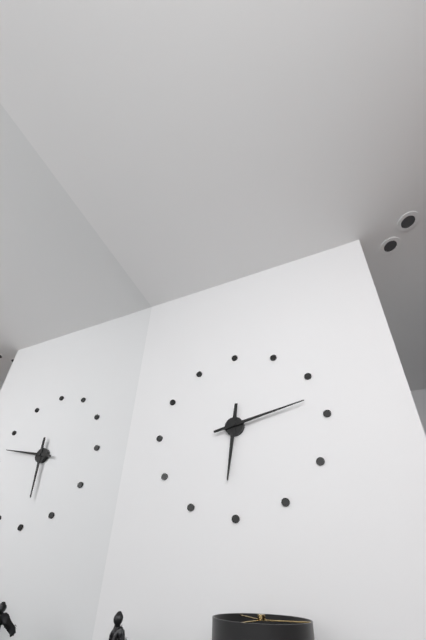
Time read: **6:13**
